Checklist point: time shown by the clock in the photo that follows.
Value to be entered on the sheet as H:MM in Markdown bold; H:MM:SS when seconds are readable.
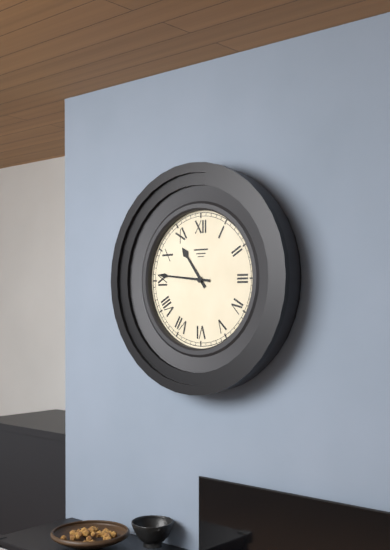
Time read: **10:46**
